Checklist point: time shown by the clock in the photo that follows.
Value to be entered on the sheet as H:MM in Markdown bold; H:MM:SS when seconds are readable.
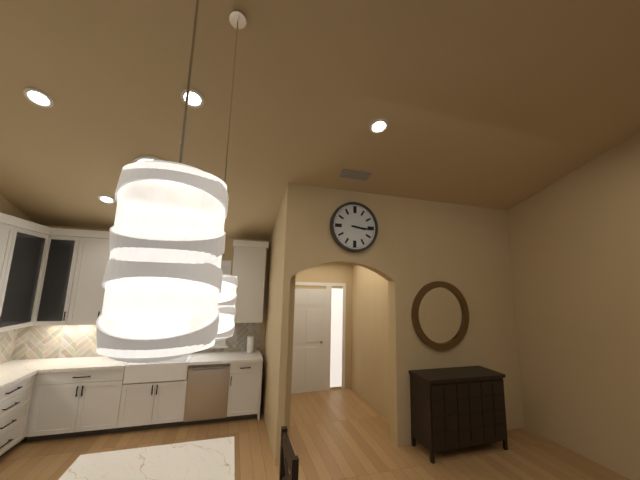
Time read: **3:16**
